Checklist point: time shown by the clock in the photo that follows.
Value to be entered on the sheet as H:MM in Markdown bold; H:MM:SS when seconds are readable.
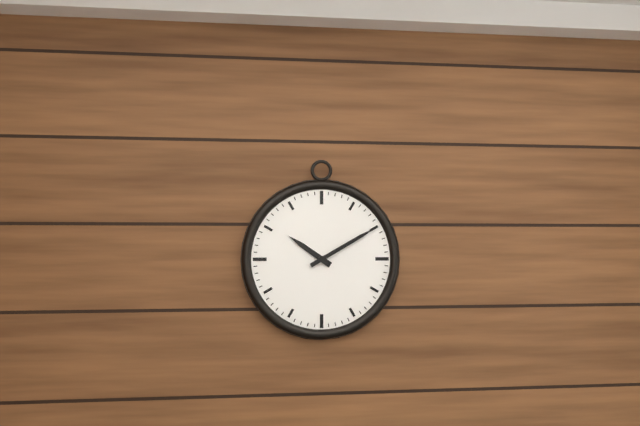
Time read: **10:10**
